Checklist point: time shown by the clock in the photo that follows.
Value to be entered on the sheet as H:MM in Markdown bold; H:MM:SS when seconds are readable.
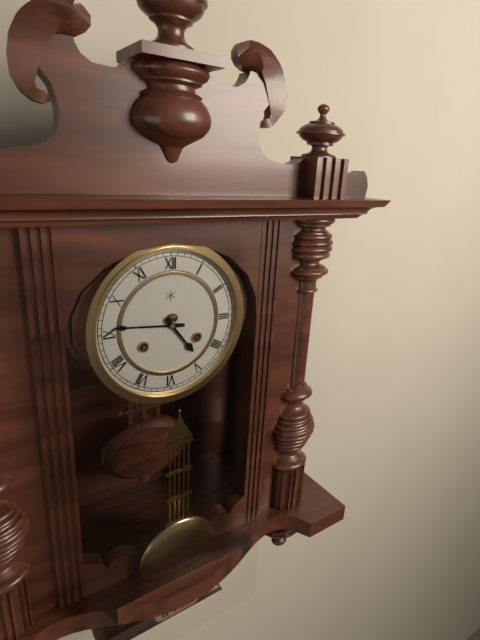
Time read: **4:46**
